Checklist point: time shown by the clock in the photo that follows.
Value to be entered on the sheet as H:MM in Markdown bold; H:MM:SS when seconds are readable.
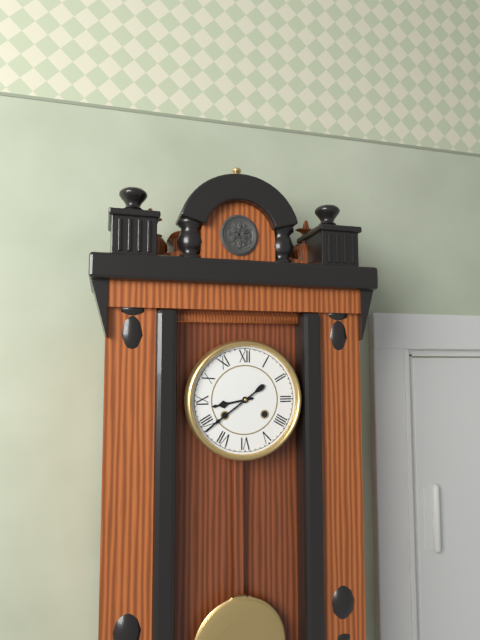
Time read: **8:39**
